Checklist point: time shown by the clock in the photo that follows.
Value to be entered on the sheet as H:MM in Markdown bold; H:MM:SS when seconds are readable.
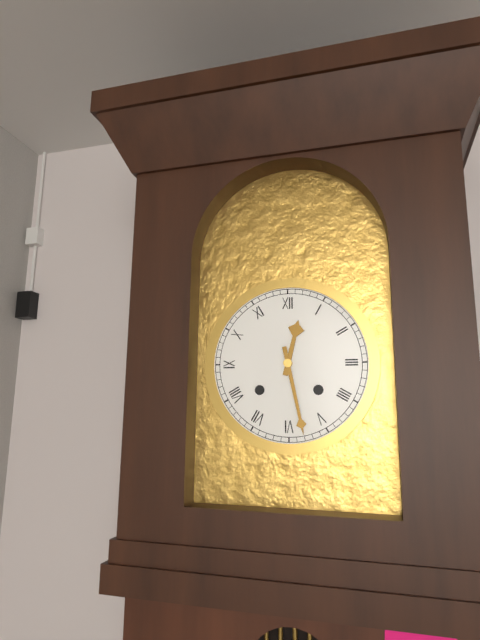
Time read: **12:28**
